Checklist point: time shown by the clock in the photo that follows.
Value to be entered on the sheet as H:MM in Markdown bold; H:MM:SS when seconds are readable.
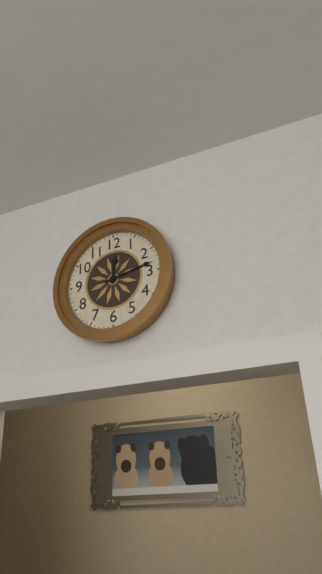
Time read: **12:13**
